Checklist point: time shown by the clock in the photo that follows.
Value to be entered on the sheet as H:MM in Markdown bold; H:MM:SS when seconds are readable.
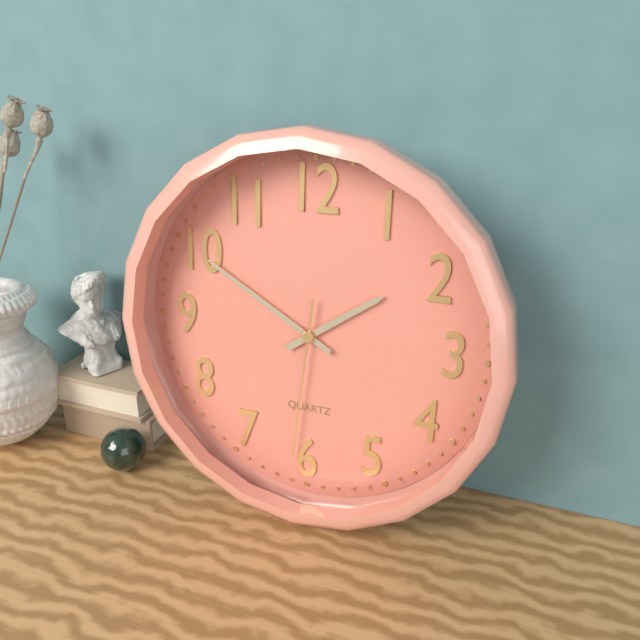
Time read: **1:50:31**
